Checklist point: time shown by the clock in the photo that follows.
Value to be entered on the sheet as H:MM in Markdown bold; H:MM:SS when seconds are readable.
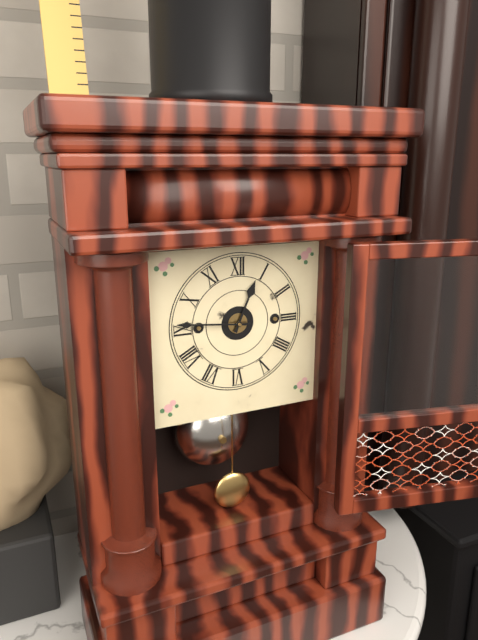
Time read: **12:46**
